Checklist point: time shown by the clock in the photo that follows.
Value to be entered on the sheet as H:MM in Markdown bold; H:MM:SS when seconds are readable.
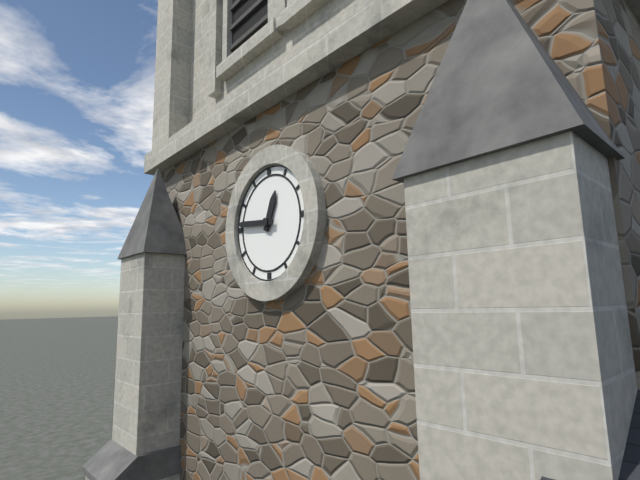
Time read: **12:46**
